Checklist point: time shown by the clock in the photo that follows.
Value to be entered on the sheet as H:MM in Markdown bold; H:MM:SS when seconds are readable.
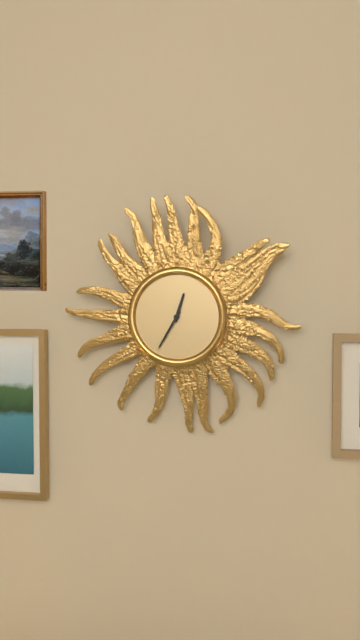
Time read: **12:35**
